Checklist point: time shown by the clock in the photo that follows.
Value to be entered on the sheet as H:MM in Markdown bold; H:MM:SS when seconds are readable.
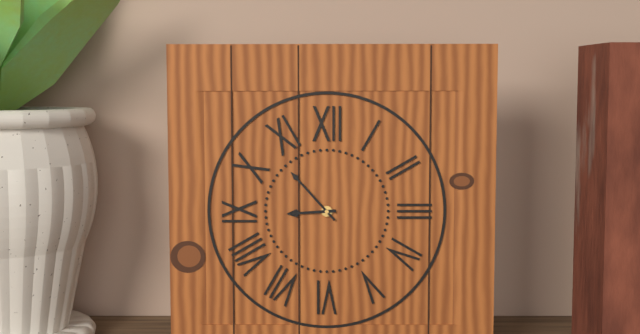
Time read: **8:53**
